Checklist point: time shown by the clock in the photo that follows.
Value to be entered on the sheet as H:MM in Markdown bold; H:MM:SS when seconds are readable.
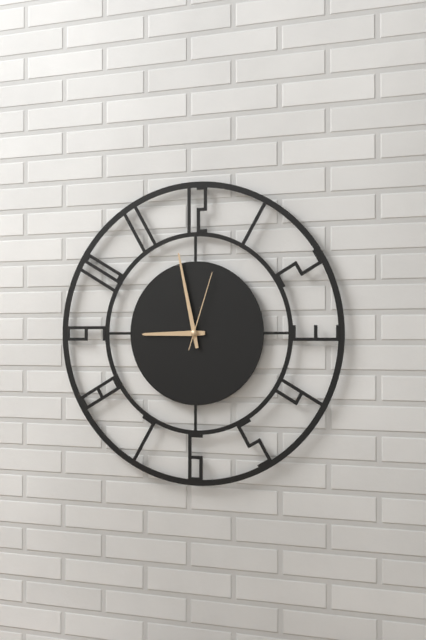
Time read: **8:58:03**
